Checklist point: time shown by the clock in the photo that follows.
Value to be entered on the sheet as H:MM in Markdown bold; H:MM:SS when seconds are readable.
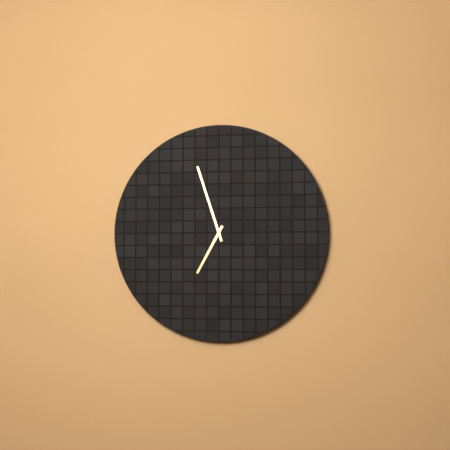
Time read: **6:57**
